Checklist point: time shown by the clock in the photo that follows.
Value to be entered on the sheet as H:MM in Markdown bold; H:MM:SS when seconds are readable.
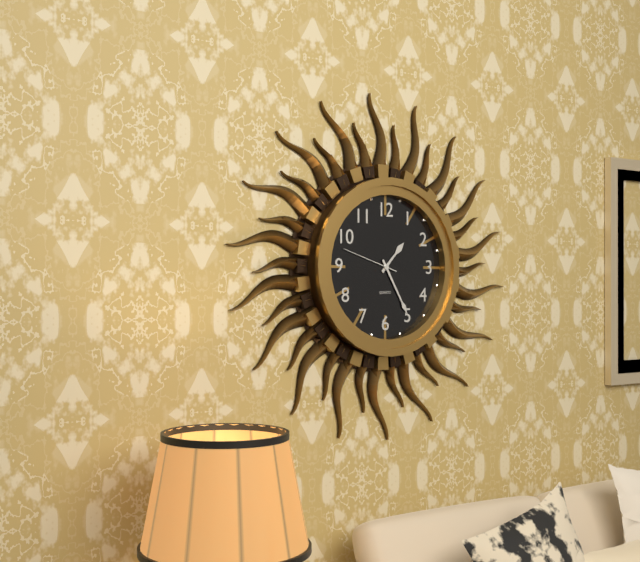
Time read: **1:25:48**
